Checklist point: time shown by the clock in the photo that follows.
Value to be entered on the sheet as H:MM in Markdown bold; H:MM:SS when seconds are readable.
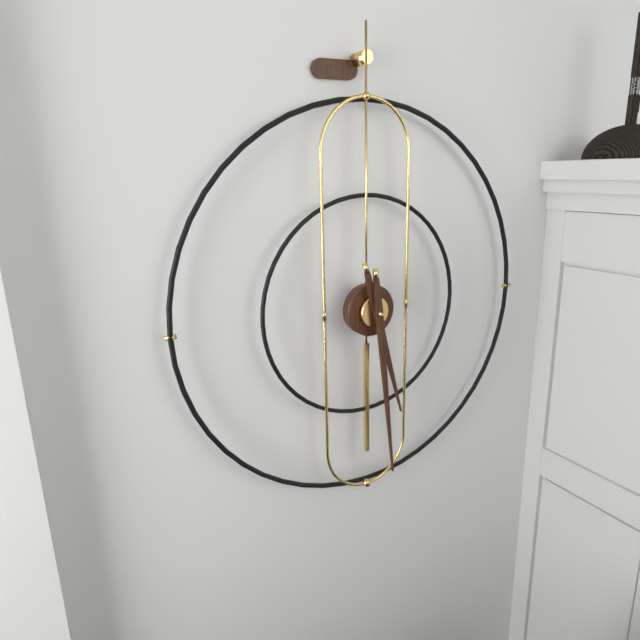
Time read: **5:29**
